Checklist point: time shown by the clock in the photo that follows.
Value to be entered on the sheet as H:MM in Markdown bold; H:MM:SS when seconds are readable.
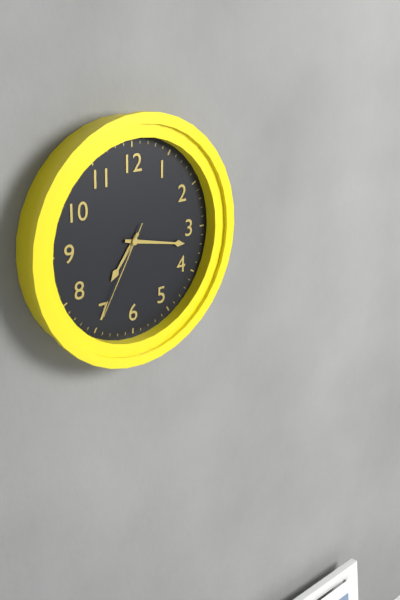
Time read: **7:17:35**
